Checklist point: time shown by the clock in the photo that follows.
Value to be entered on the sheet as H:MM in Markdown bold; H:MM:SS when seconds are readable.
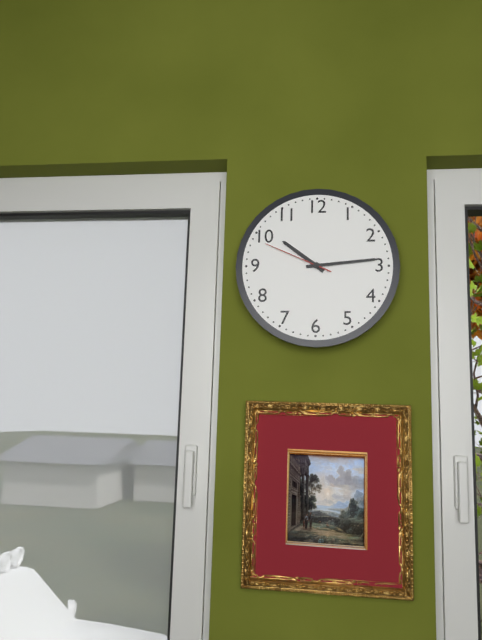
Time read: **10:14:49**
